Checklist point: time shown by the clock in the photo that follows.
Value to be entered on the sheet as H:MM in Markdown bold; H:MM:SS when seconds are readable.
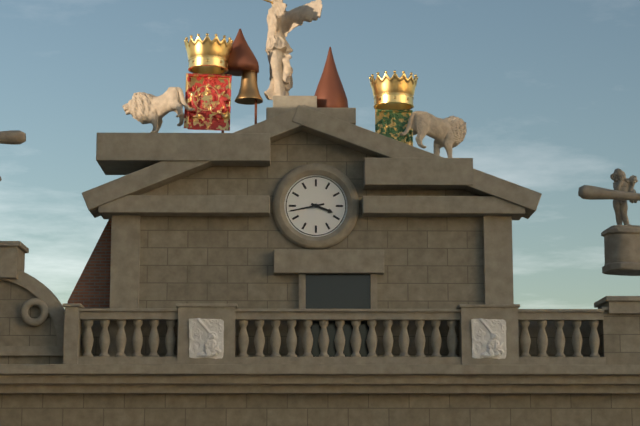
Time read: **3:43**
